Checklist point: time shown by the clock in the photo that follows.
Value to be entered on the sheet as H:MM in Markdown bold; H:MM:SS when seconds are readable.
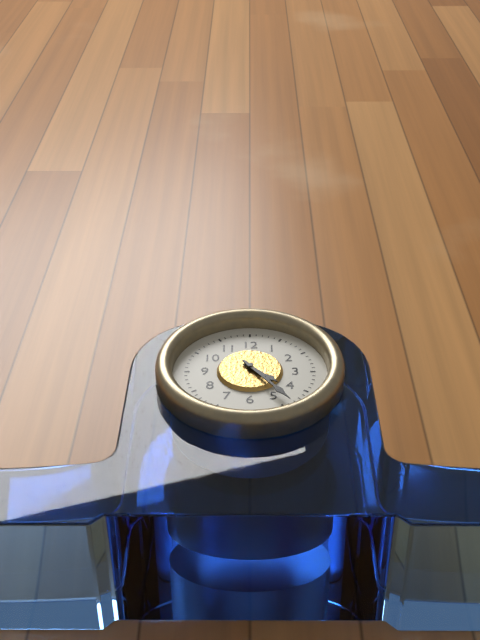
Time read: **4:24**
